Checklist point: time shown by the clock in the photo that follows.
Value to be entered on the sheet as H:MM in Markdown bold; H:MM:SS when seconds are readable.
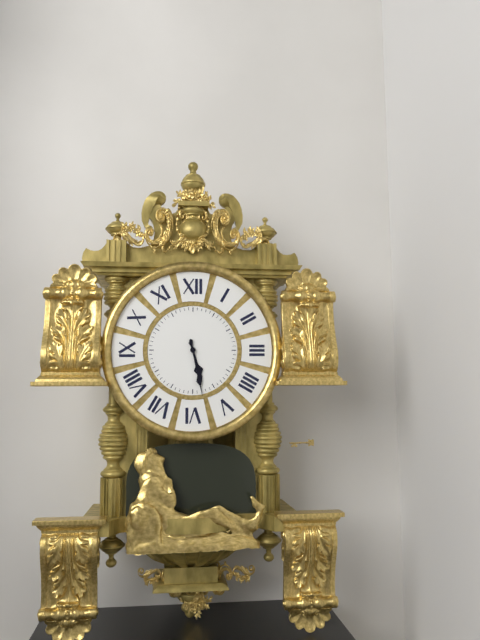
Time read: **5:28**
